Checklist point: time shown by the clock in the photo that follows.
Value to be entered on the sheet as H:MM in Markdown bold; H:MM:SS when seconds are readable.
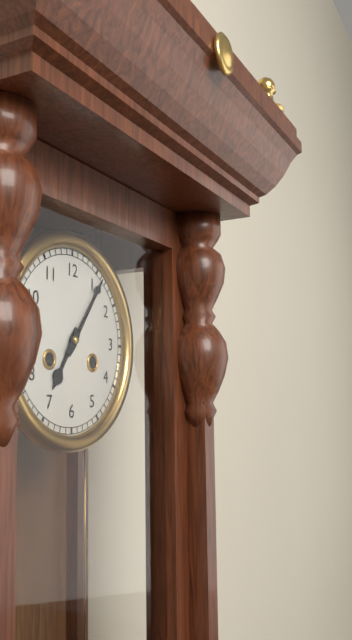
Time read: **7:06**
